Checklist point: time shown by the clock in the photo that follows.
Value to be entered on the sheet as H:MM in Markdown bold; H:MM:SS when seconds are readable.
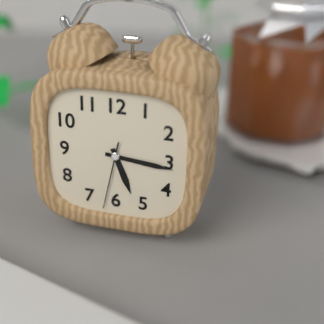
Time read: **5:16:32**
